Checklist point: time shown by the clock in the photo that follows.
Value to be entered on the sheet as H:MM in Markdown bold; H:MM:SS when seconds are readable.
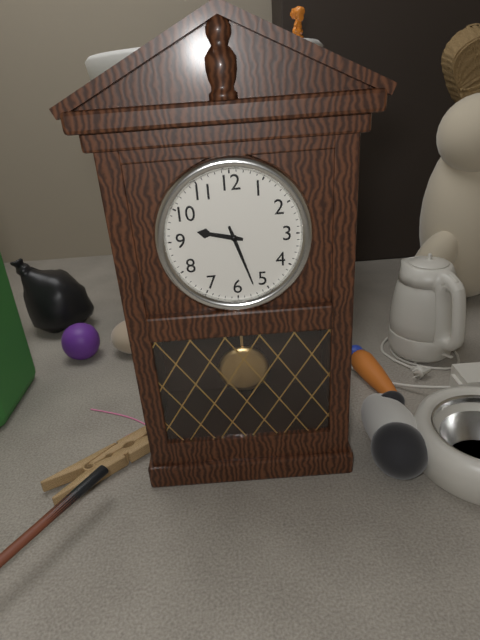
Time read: **9:27**
